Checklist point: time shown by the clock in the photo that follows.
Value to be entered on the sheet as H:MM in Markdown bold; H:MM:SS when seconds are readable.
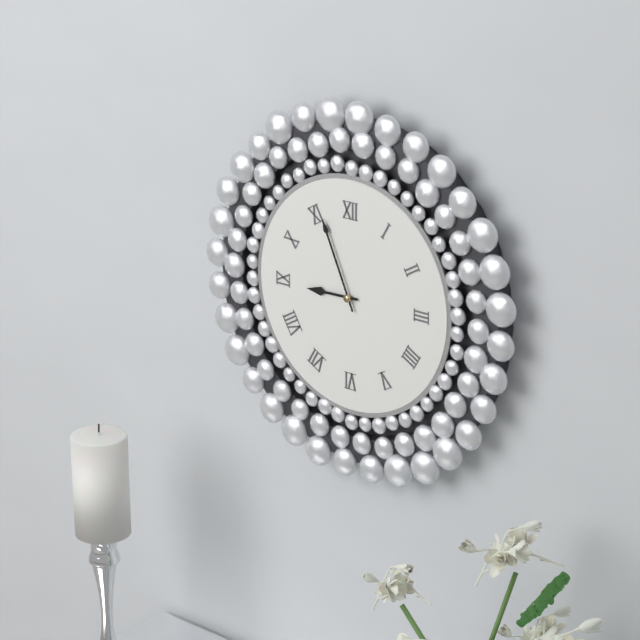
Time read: **8:56**
